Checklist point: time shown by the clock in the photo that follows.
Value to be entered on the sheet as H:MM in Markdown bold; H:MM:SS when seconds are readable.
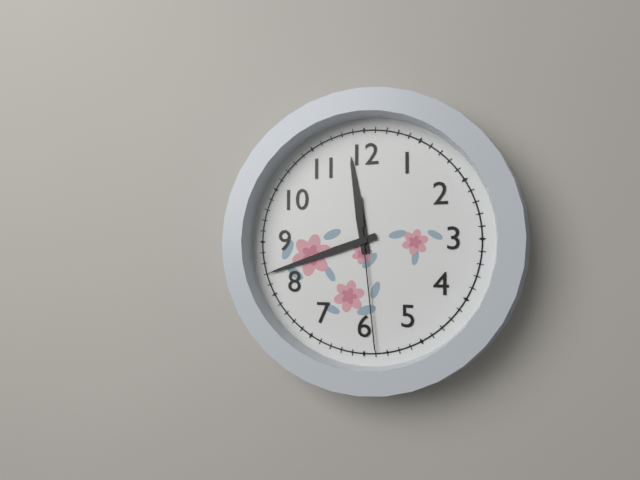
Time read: **11:42:29**
